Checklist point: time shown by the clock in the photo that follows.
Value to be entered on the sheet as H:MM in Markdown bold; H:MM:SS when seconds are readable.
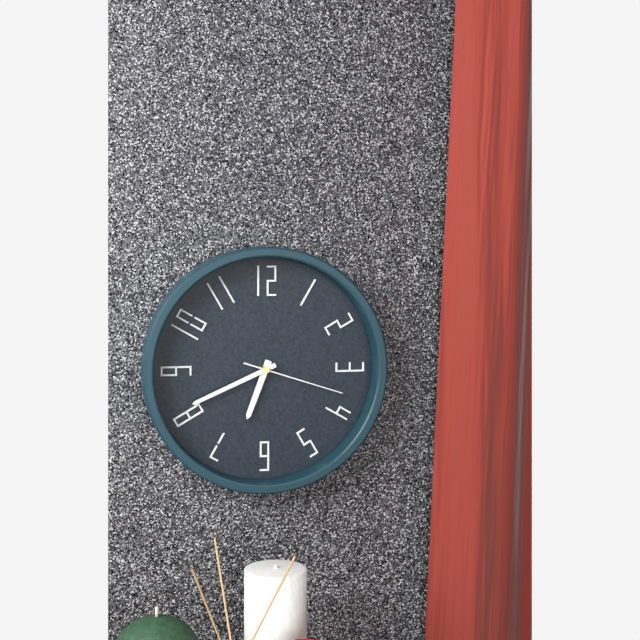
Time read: **6:41:18**
